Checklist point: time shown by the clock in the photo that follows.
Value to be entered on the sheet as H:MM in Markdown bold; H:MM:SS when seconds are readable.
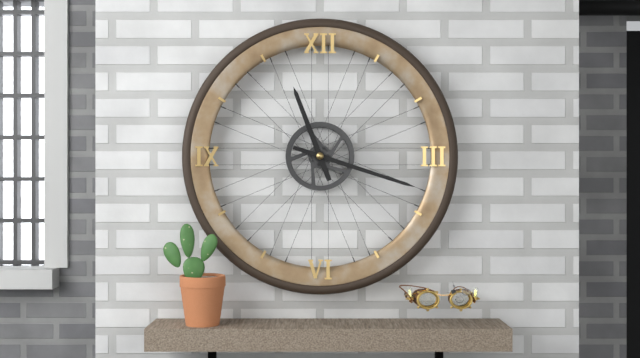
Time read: **11:18**
